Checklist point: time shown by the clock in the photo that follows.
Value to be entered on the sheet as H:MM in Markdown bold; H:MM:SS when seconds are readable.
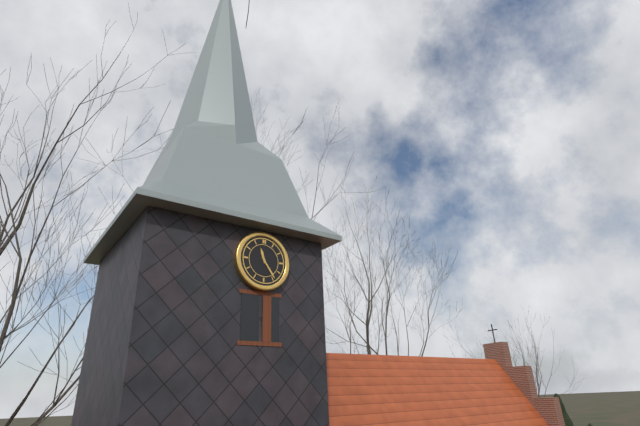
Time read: **11:24**
